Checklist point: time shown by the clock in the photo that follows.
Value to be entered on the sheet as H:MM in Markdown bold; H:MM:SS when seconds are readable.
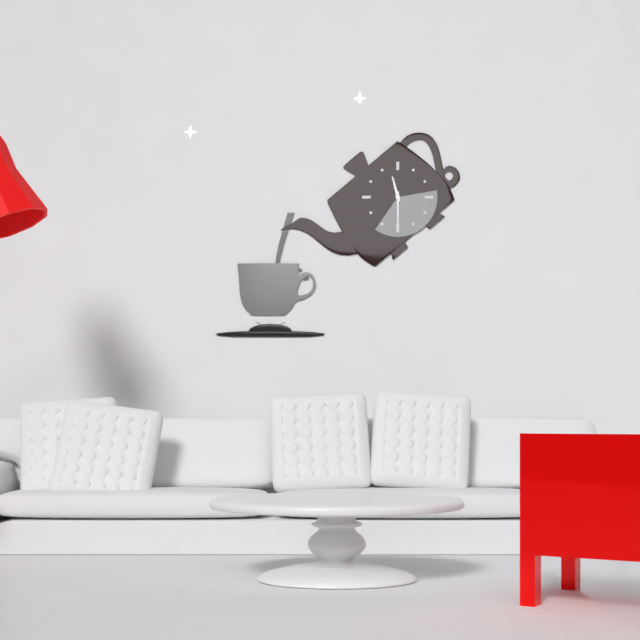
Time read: **11:30**
